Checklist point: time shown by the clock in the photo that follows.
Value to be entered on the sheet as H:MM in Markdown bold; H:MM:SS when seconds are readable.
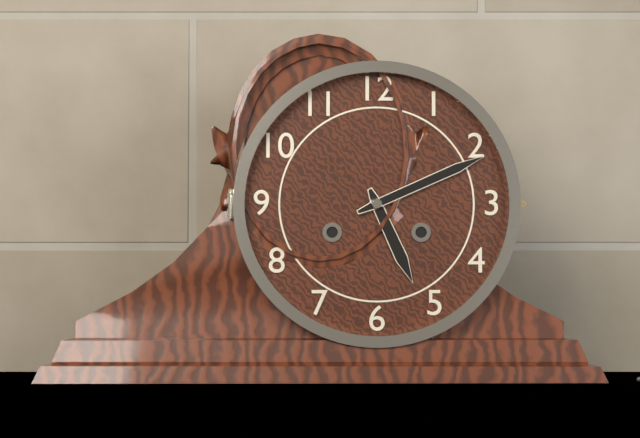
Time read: **5:11**
